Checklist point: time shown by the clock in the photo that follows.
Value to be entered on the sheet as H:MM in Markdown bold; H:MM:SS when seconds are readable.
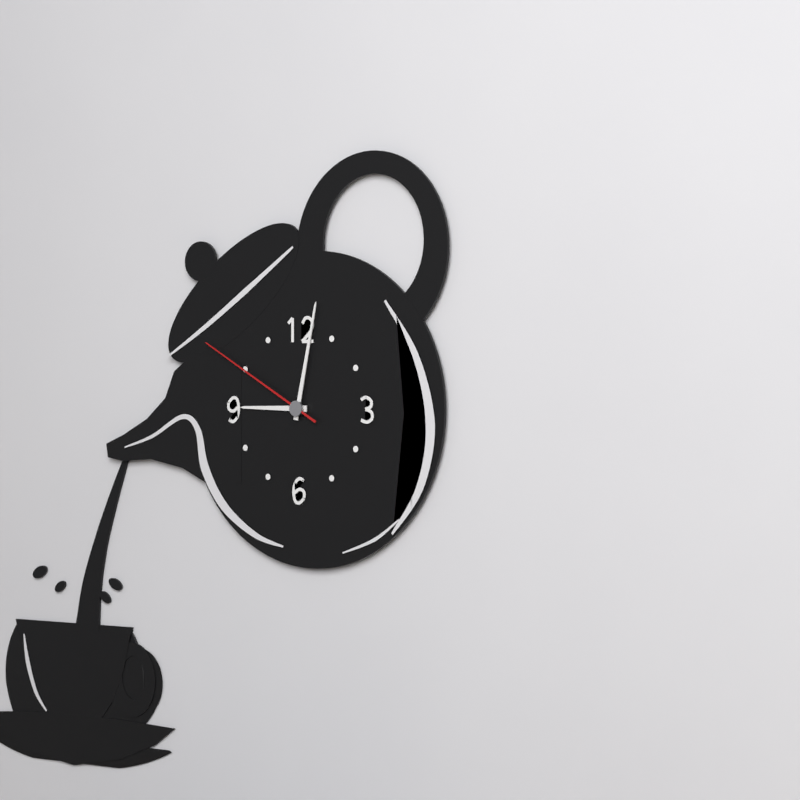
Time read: **9:02:50**
